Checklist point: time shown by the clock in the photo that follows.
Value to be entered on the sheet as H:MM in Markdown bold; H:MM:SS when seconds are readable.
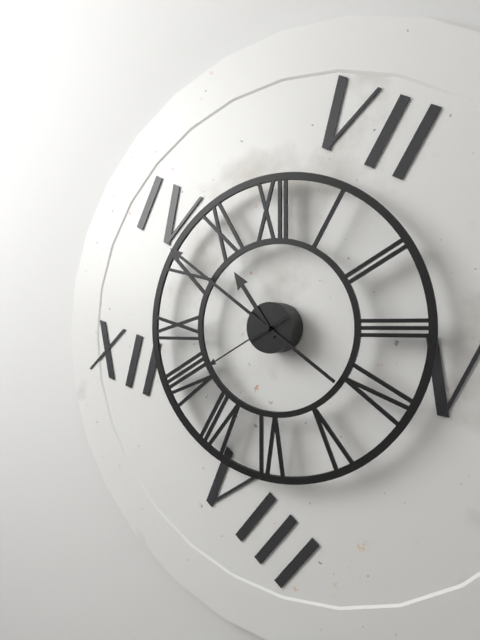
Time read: **10:51:40**
